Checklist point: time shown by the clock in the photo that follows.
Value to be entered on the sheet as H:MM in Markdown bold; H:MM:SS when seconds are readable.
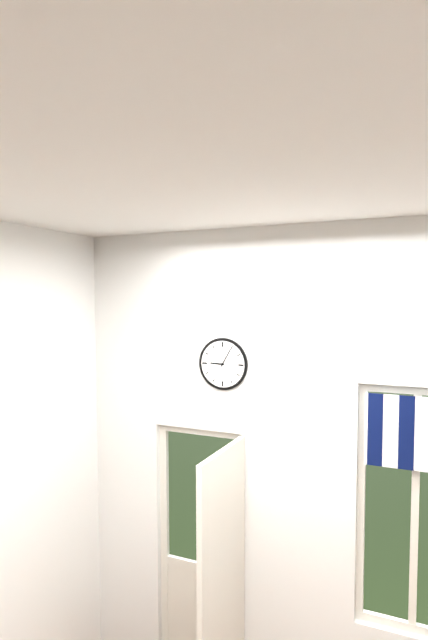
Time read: **9:05**
